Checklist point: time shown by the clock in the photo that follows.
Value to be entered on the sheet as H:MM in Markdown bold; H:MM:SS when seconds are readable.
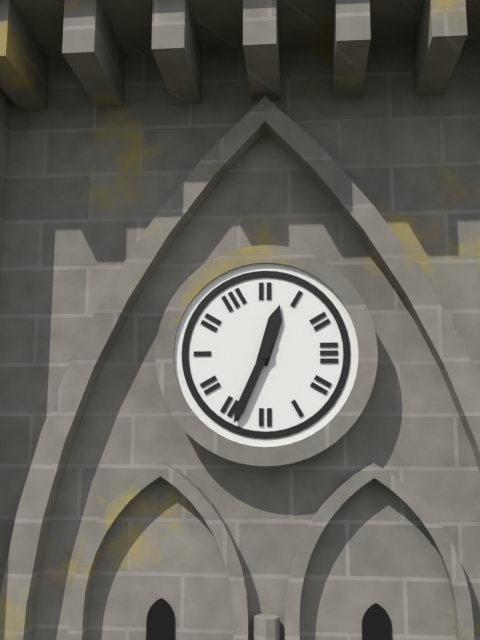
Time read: **12:34**
